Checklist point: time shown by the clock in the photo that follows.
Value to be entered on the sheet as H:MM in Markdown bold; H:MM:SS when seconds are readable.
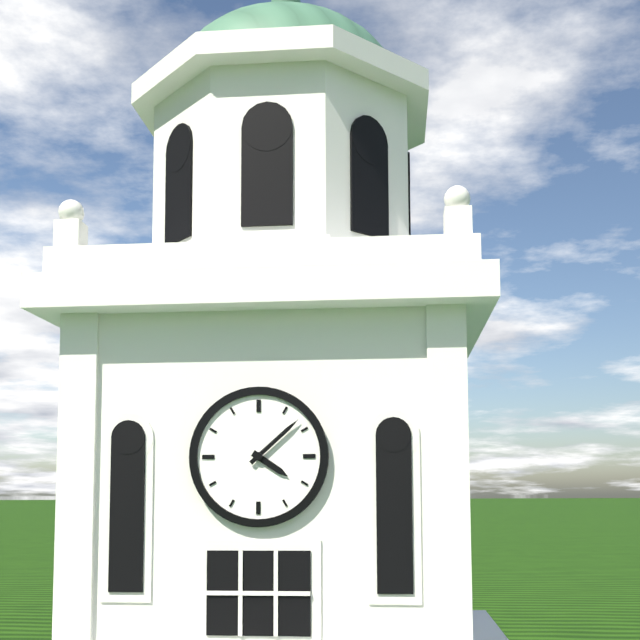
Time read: **4:08**
